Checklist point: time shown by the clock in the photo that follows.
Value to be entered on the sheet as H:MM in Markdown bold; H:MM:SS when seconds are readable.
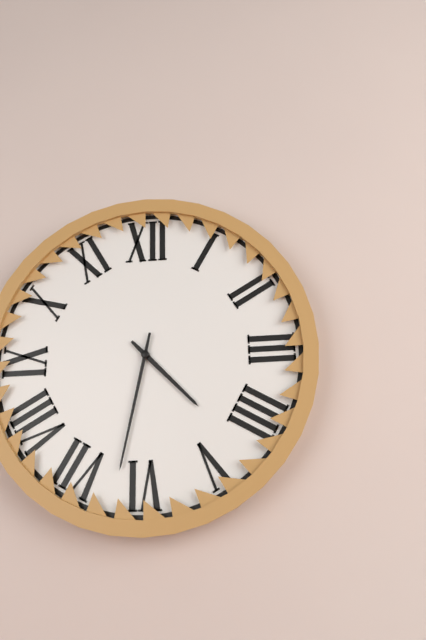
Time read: **4:32**
